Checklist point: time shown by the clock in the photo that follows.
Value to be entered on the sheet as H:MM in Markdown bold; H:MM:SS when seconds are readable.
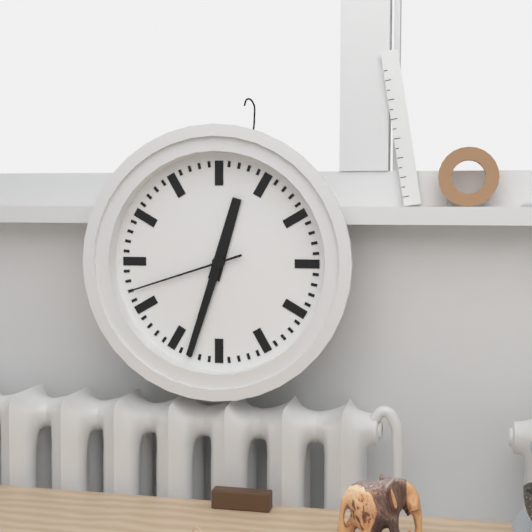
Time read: **12:33:42**
